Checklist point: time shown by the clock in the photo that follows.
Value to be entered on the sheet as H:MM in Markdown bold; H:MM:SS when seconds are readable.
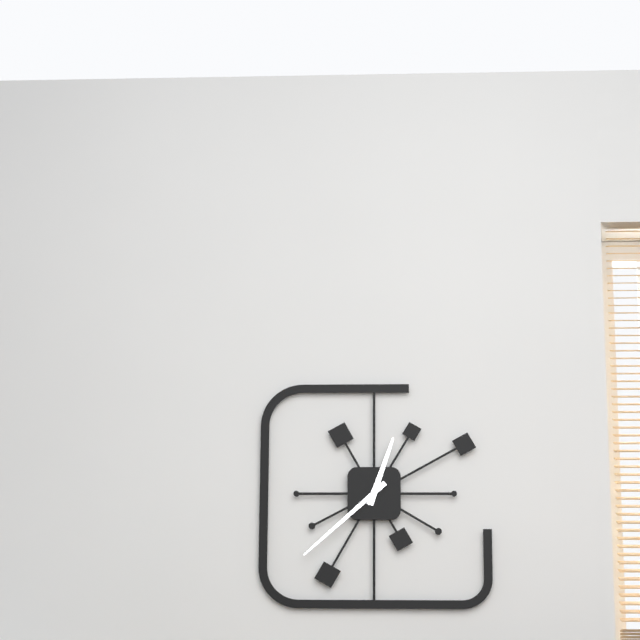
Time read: **12:38**
